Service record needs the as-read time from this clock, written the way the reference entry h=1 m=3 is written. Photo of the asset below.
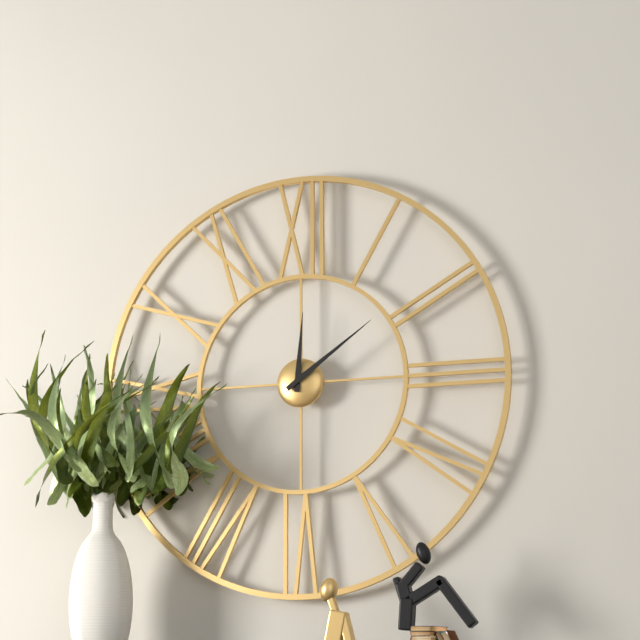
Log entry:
h=12 m=9
